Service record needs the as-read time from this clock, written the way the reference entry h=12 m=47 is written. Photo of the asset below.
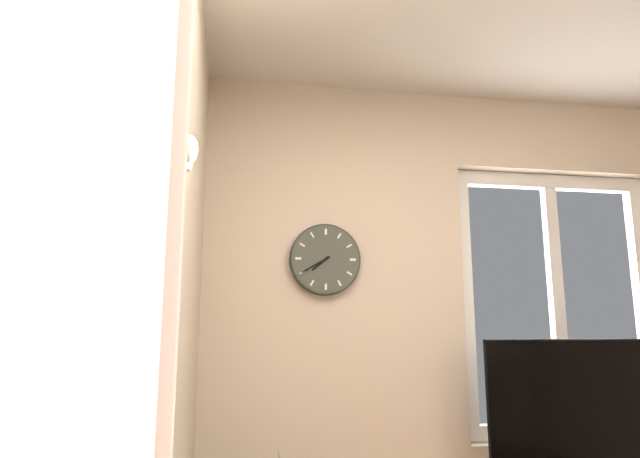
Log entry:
h=7 m=40
